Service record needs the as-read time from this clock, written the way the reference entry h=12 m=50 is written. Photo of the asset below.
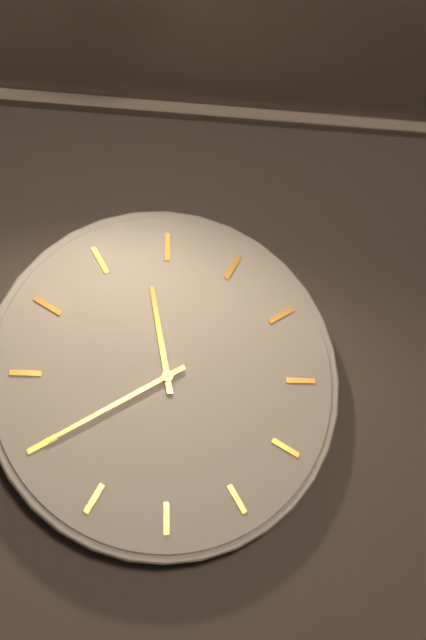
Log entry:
h=11 m=40
